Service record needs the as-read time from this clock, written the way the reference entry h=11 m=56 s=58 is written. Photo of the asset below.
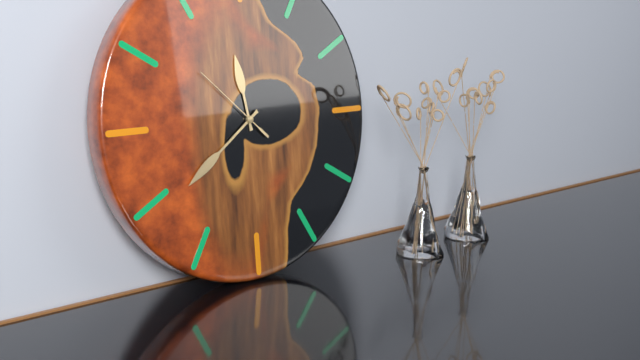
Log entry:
h=11 m=39 s=52
